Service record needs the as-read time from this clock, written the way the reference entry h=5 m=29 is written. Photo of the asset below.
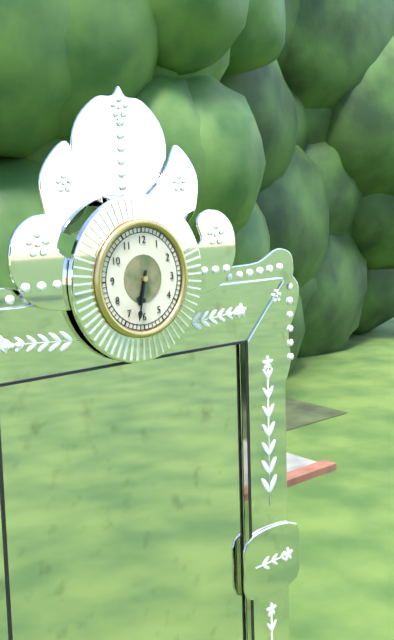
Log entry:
h=6 m=32
